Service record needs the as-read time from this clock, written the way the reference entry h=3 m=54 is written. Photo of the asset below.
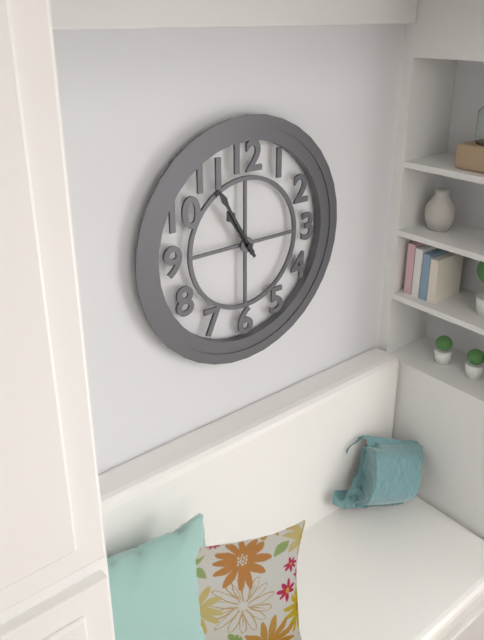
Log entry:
h=10 m=55
